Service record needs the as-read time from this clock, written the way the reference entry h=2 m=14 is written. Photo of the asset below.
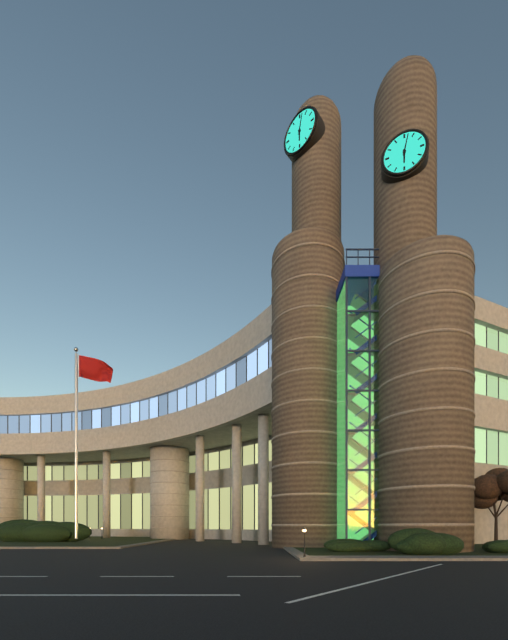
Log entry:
h=6 m=2
